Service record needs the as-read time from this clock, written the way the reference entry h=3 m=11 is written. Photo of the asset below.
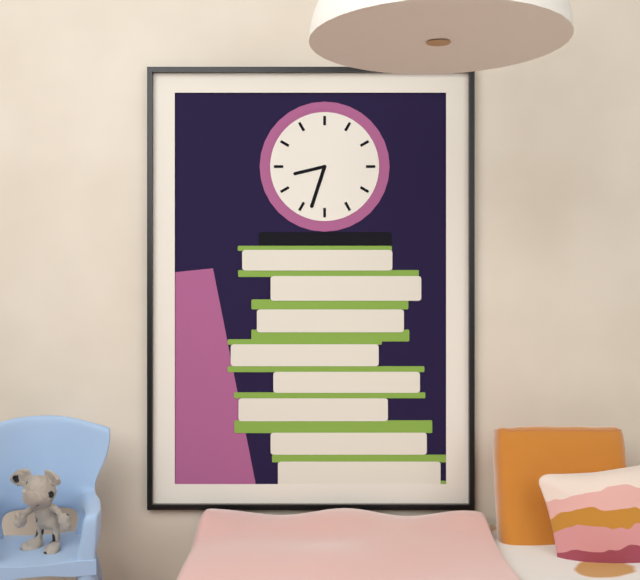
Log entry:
h=8 m=33
